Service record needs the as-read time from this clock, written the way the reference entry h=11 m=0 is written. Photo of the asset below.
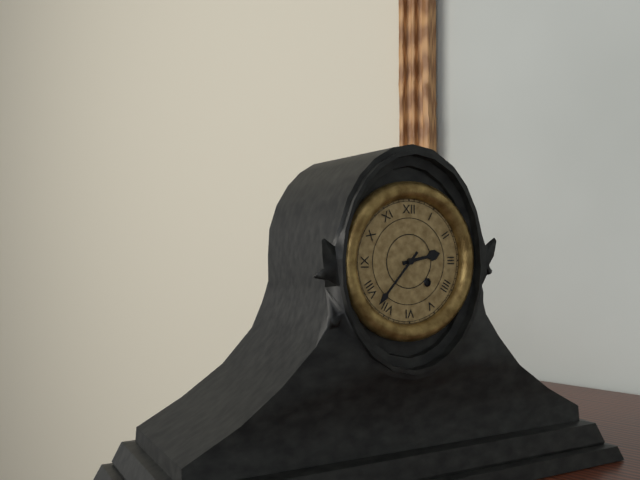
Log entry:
h=2 m=37
